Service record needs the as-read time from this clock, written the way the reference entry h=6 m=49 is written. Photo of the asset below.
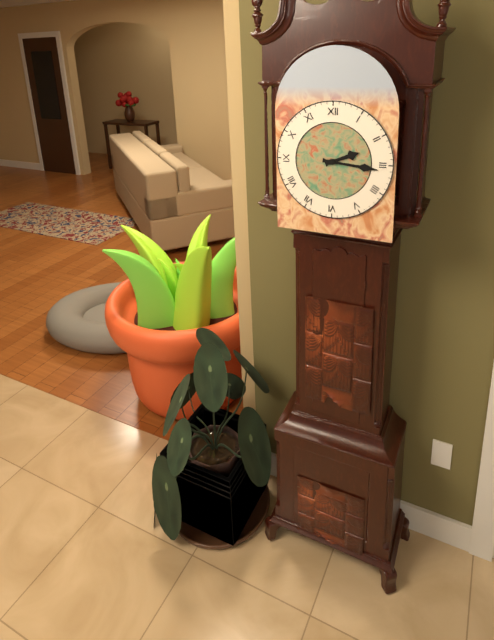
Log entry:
h=2 m=16
